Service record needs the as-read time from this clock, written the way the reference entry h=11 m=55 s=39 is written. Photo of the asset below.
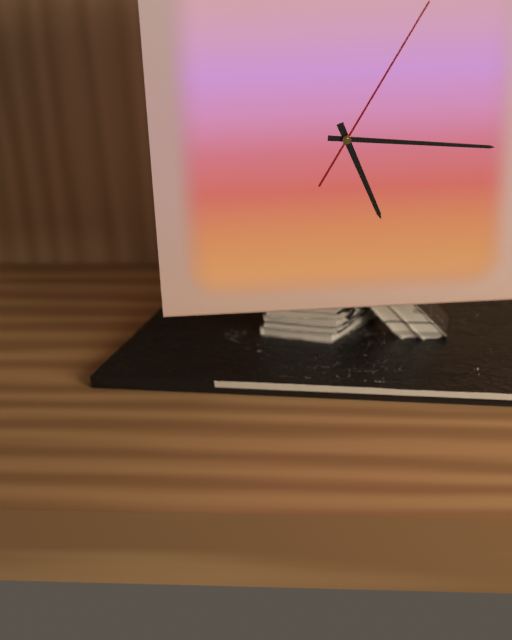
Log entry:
h=5 m=16 s=5
